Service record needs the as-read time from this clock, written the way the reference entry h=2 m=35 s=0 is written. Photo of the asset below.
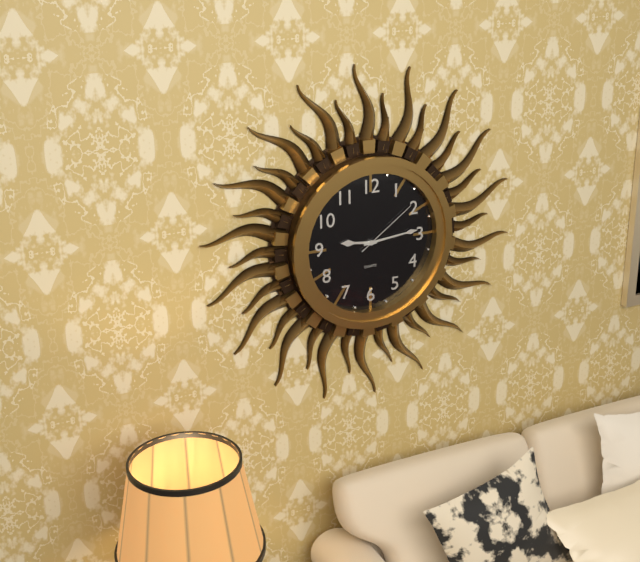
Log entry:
h=9 m=14 s=9
